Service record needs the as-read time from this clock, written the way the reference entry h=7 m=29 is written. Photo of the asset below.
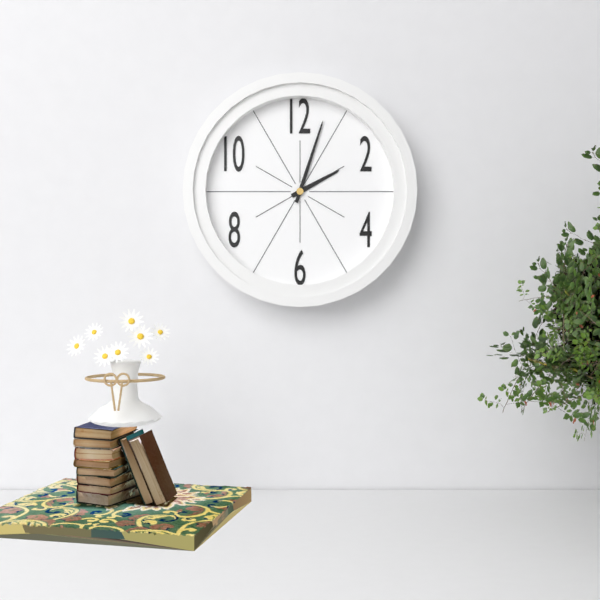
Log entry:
h=2 m=3
